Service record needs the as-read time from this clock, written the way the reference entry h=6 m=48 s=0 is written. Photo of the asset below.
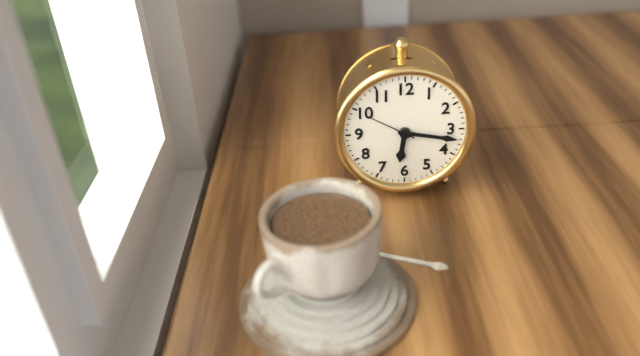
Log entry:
h=6 m=17 s=50
